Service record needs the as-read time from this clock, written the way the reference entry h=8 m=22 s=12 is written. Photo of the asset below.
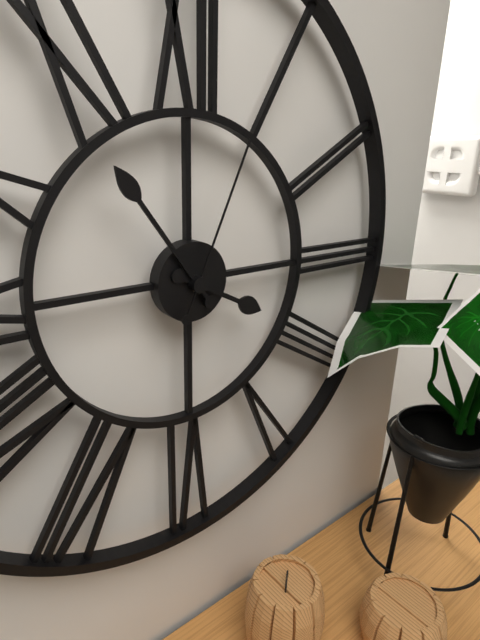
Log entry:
h=3 m=54 s=4
